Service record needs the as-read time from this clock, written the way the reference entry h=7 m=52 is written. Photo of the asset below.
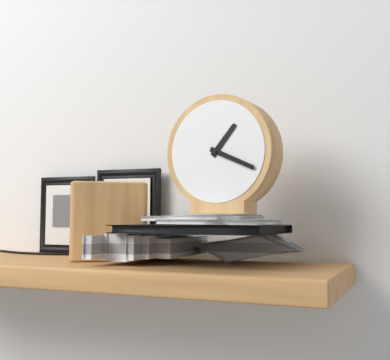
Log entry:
h=1 m=19
